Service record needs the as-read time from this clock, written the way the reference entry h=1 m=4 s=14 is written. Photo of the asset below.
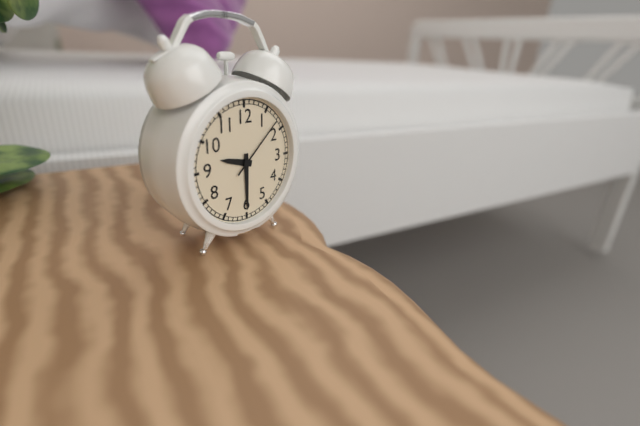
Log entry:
h=9 m=30 s=8
